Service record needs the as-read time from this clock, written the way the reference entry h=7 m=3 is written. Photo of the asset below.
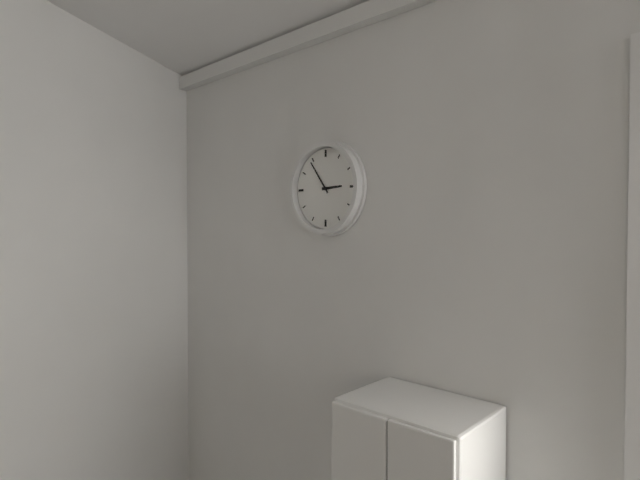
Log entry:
h=2 m=54
